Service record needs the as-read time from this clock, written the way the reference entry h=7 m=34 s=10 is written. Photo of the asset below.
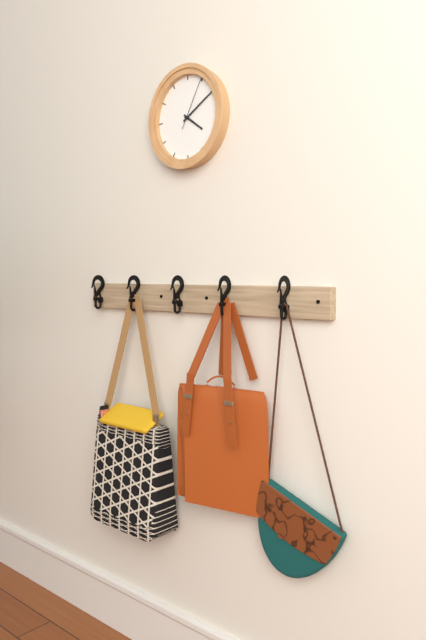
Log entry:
h=4 m=10 s=5
